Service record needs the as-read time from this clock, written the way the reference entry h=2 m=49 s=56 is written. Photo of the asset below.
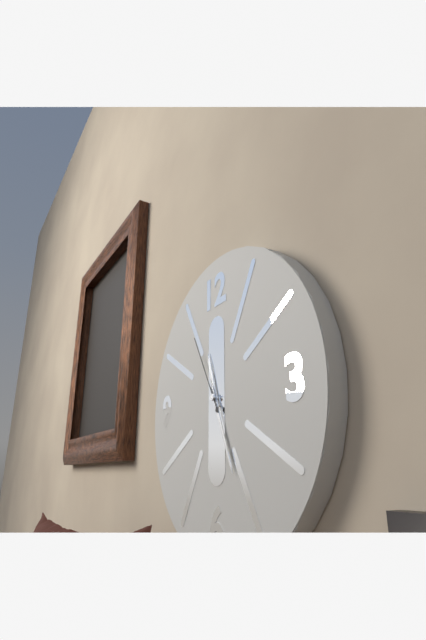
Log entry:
h=11 m=26 s=55
